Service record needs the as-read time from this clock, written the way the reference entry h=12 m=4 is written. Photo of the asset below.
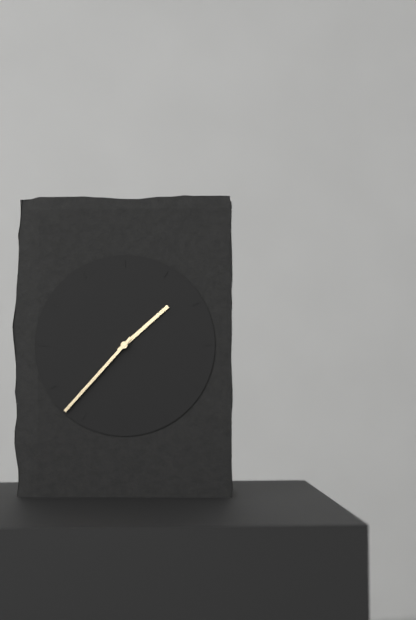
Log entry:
h=1 m=37
